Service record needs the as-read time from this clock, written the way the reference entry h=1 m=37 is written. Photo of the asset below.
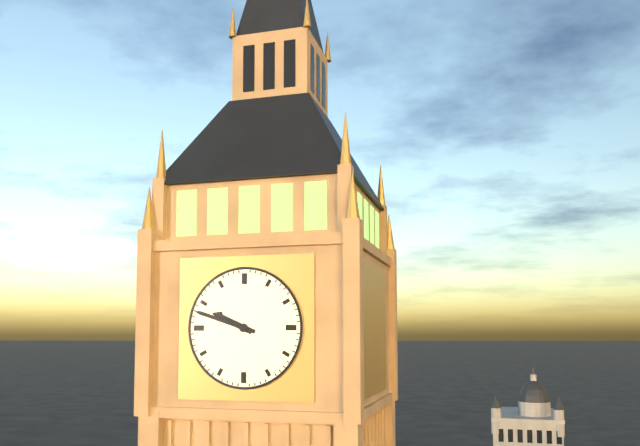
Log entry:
h=9 m=48
